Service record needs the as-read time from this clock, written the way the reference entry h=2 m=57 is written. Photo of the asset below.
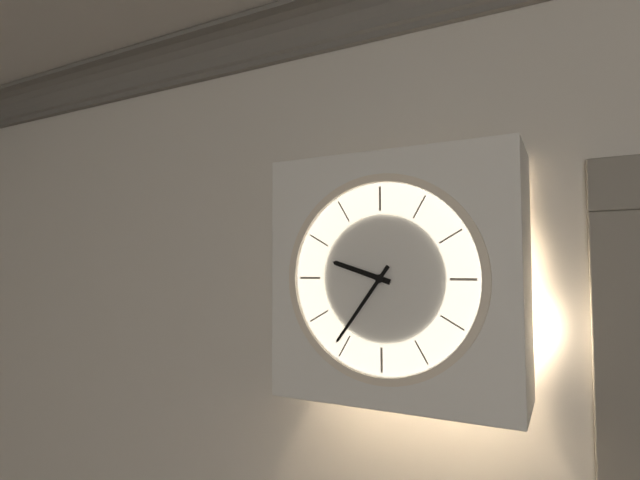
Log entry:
h=9 m=36
